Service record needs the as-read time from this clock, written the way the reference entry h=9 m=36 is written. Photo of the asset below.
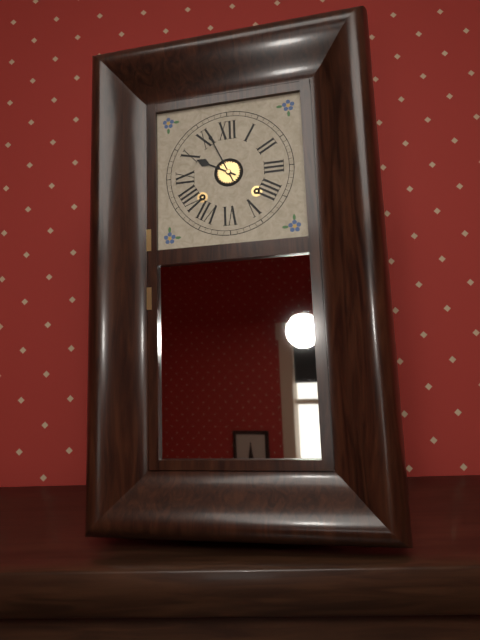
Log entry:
h=9 m=56
